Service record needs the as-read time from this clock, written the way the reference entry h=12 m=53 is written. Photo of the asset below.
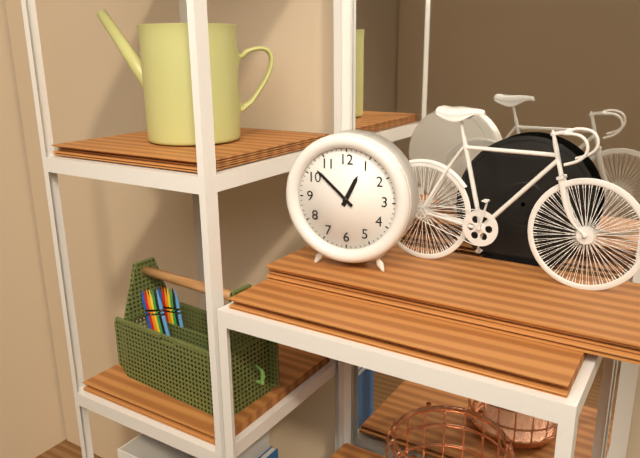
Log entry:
h=12 m=52
